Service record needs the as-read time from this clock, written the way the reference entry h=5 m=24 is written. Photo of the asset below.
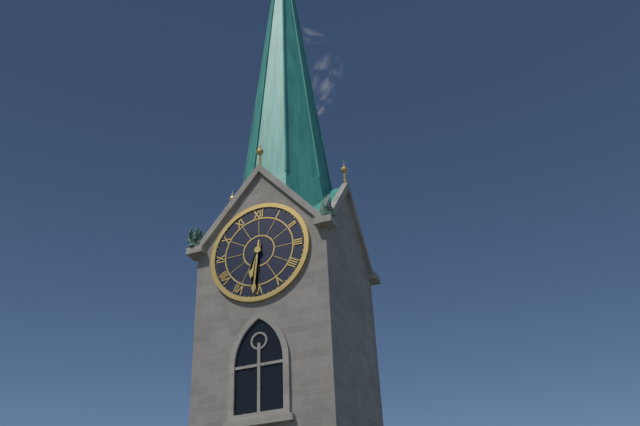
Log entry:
h=6 m=31
